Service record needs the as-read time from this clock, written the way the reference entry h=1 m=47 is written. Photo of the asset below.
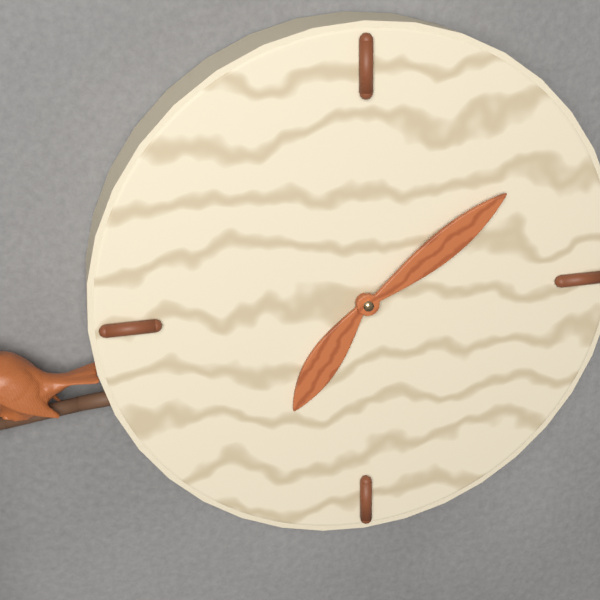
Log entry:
h=7 m=9
